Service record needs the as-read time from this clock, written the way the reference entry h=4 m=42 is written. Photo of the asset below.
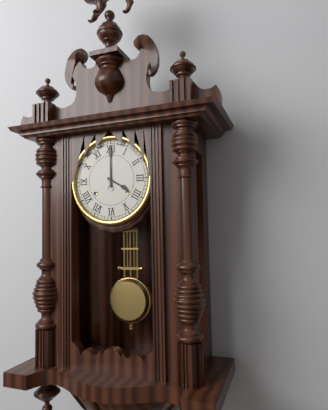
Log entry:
h=4 m=0
